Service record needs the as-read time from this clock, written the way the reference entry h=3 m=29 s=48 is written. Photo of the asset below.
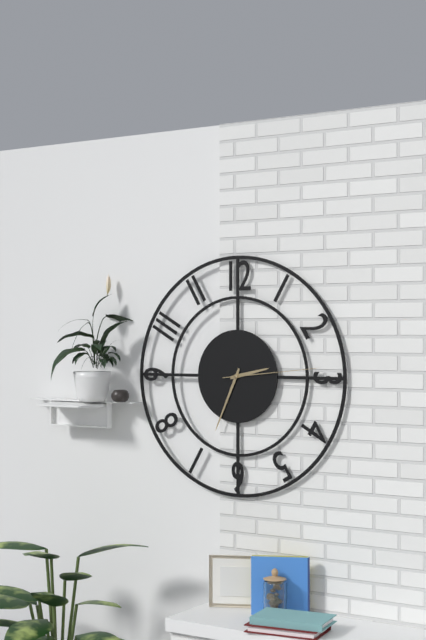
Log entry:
h=2 m=34 s=14
